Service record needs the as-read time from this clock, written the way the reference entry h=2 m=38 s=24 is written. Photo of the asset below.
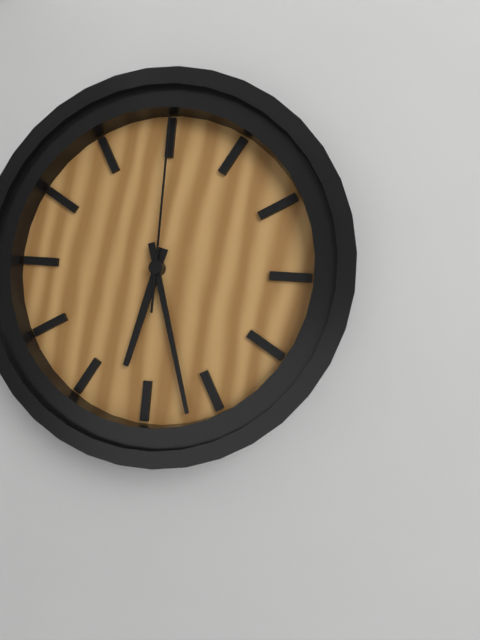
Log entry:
h=6 m=27 s=0
